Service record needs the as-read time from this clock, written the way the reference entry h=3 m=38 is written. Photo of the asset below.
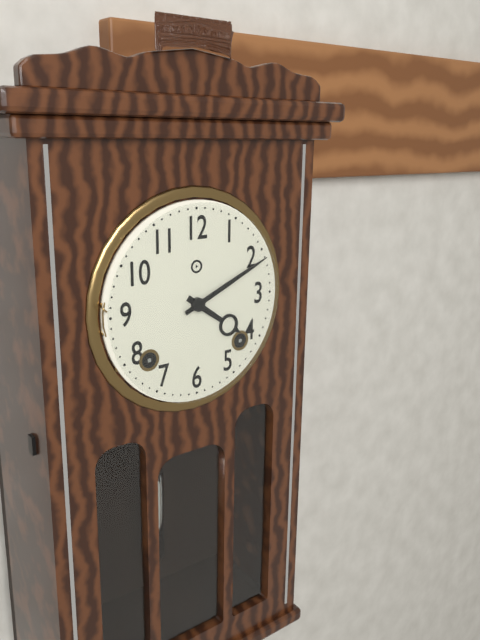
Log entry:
h=4 m=11
